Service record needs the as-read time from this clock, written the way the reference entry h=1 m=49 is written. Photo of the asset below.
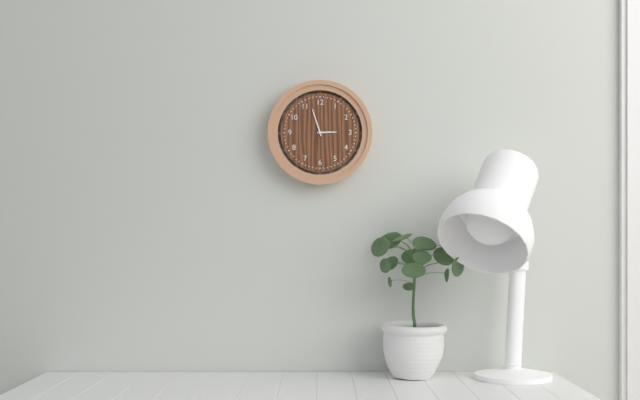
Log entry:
h=2 m=57
